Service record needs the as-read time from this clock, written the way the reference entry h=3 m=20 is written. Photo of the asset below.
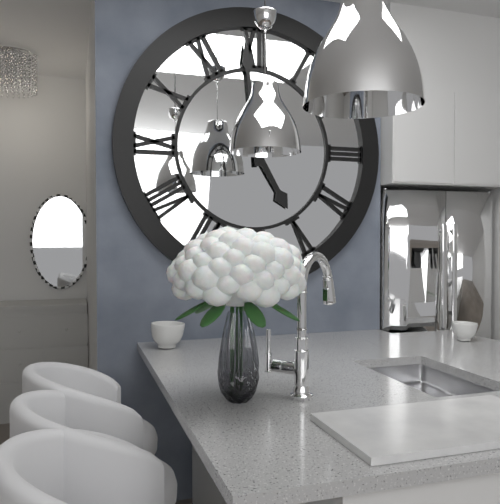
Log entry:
h=4 m=59
